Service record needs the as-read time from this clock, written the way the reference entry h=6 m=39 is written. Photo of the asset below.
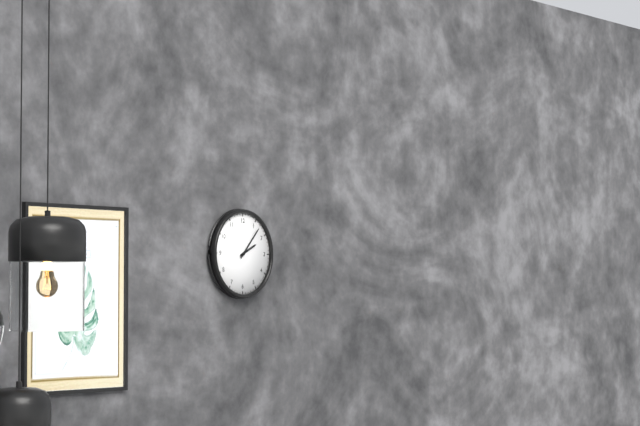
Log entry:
h=2 m=7
